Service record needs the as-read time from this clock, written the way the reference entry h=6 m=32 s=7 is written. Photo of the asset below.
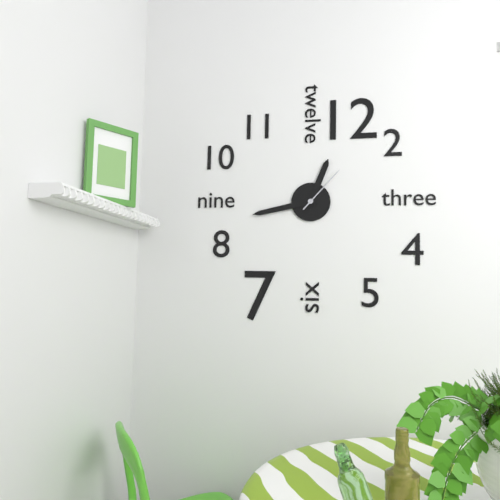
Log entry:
h=12 m=43 s=7
